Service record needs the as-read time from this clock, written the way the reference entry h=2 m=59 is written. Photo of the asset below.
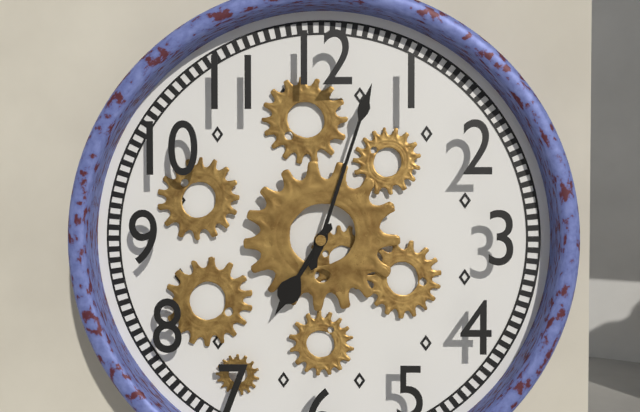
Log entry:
h=7 m=3
